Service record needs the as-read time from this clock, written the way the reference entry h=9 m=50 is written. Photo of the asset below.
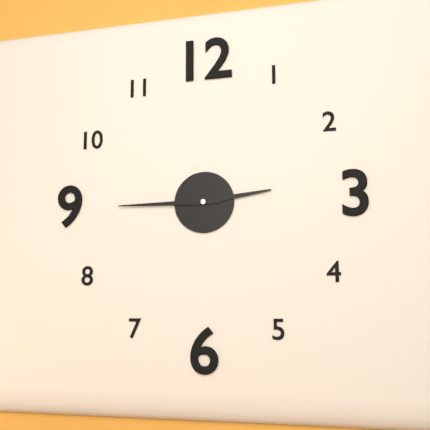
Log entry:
h=2 m=45
